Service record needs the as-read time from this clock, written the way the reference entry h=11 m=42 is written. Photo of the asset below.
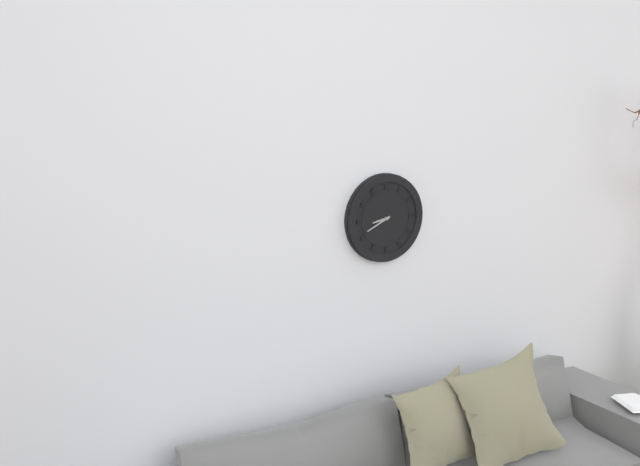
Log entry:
h=8 m=41
